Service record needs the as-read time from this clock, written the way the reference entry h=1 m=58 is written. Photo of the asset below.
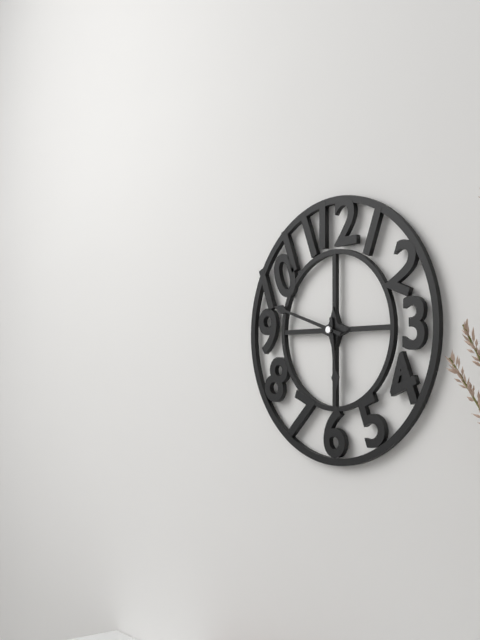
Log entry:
h=5 m=48
